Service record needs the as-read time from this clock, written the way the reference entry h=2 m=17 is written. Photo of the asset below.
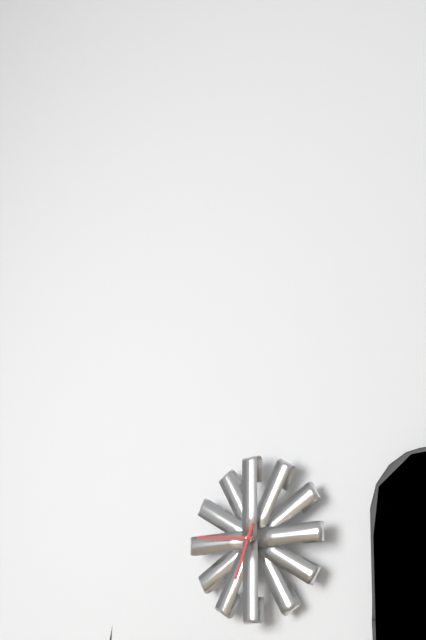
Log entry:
h=6 m=46
